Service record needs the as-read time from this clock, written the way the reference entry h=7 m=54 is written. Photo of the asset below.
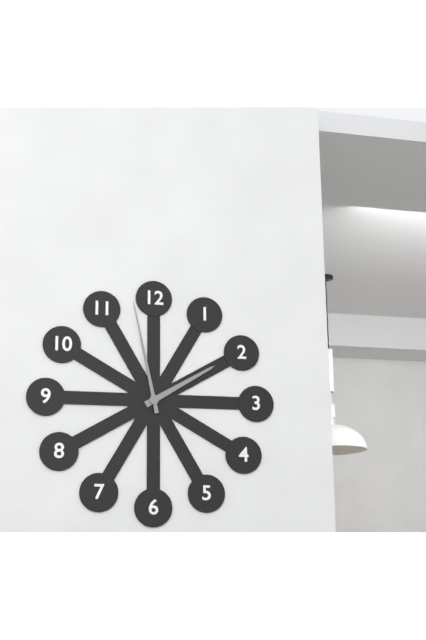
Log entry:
h=1 m=58
